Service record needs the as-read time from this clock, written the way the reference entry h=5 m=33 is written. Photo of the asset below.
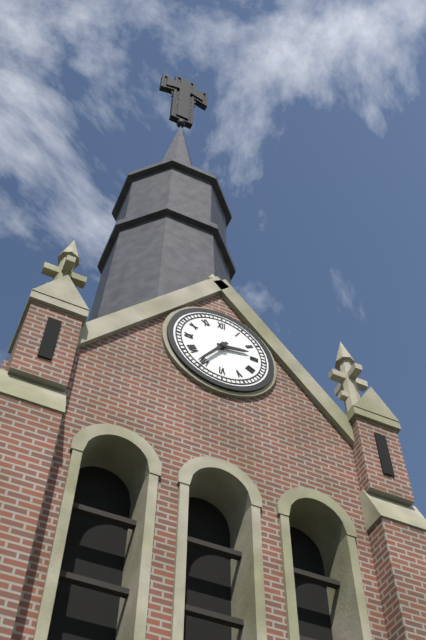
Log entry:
h=2 m=36
